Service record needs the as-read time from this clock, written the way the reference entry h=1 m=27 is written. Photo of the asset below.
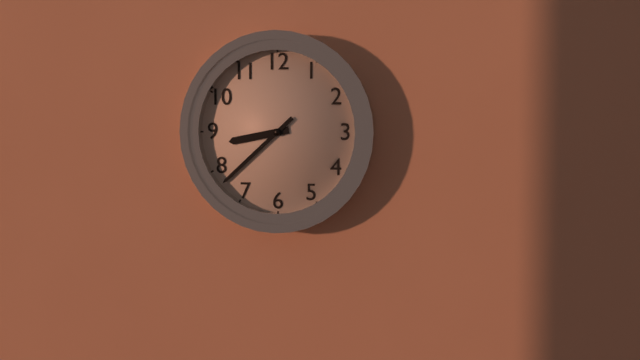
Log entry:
h=8 m=38
